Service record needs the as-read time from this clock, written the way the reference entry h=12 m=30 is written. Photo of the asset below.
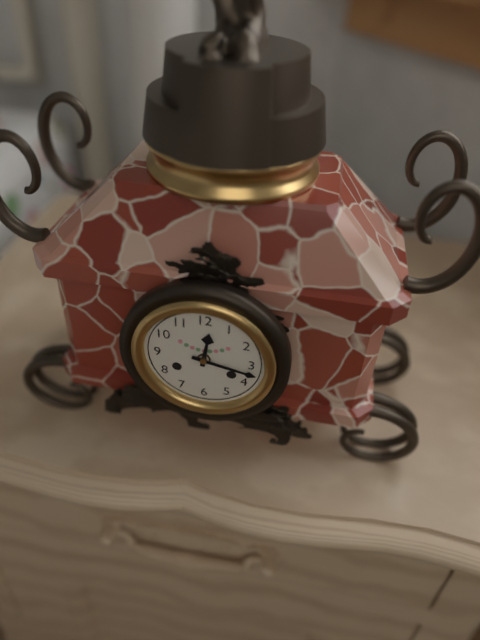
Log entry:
h=12 m=17
